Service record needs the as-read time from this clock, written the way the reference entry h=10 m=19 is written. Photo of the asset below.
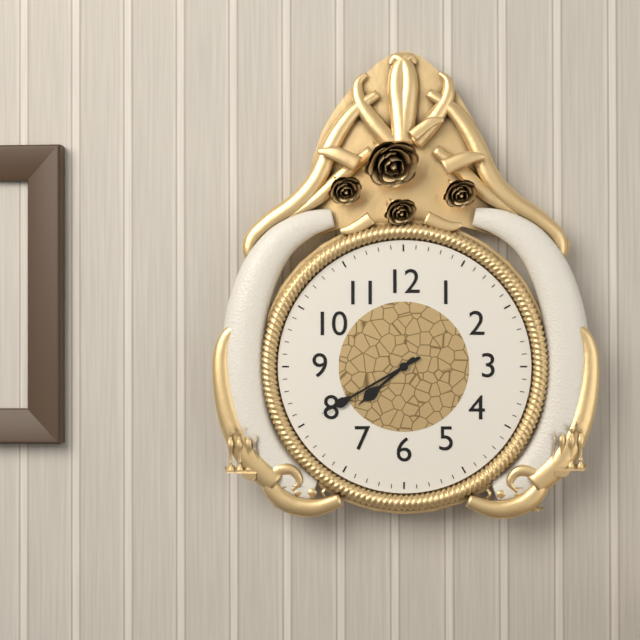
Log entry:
h=7 m=40
